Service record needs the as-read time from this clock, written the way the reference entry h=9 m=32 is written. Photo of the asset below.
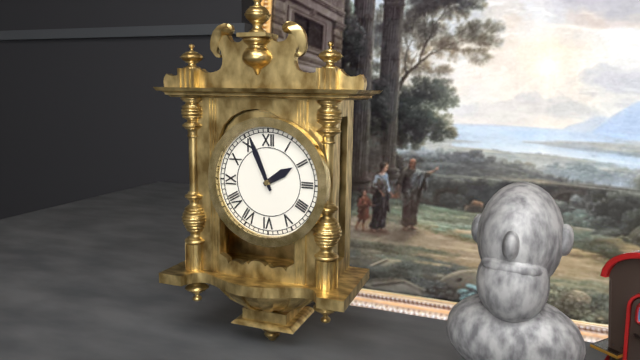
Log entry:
h=1 m=56
